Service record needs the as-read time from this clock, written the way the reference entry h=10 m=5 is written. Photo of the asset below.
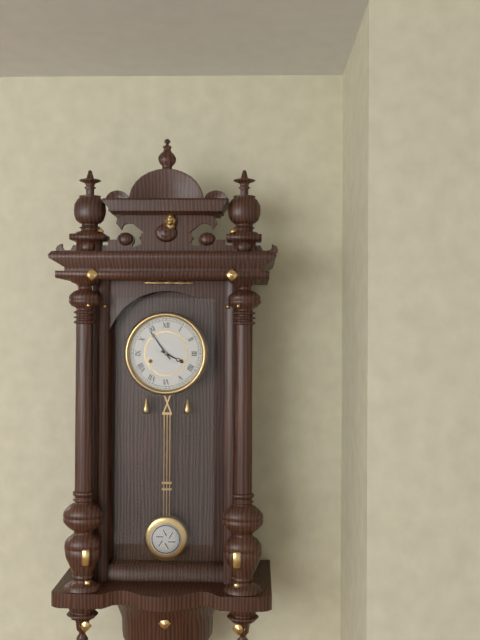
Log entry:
h=3 m=54
